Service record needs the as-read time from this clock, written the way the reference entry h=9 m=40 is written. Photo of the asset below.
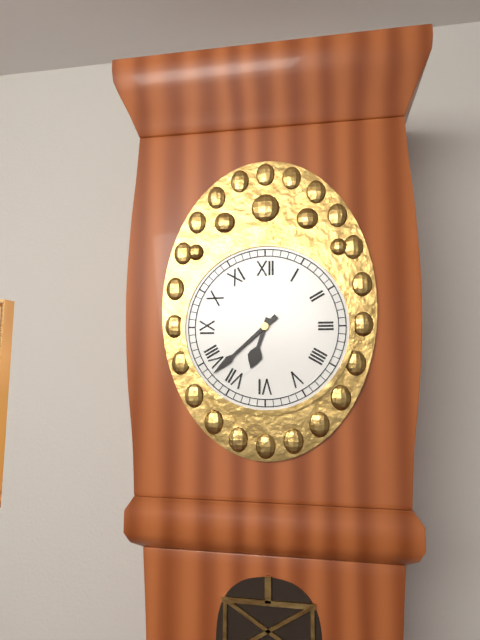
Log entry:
h=6 m=38
